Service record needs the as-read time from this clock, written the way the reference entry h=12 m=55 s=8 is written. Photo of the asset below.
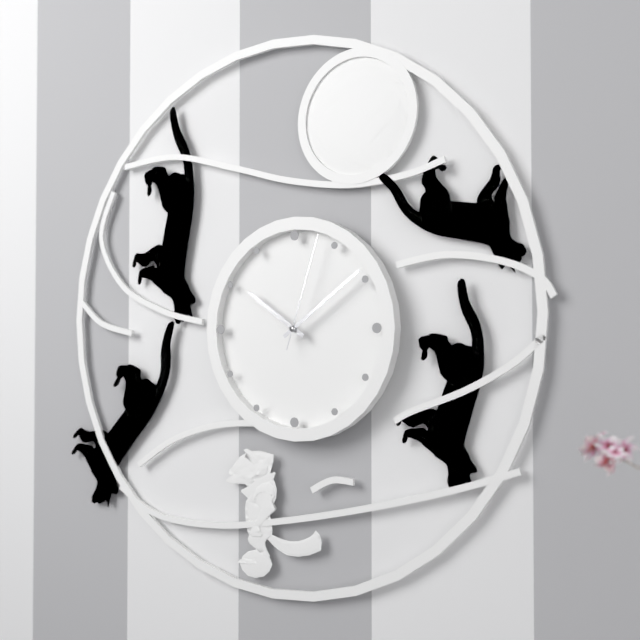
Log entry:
h=10 m=9 s=3
